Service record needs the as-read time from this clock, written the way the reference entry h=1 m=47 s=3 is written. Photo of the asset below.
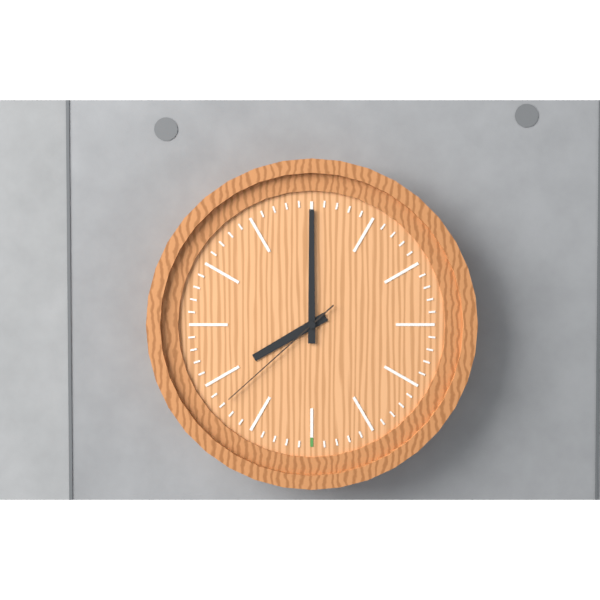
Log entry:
h=8 m=0 s=38
